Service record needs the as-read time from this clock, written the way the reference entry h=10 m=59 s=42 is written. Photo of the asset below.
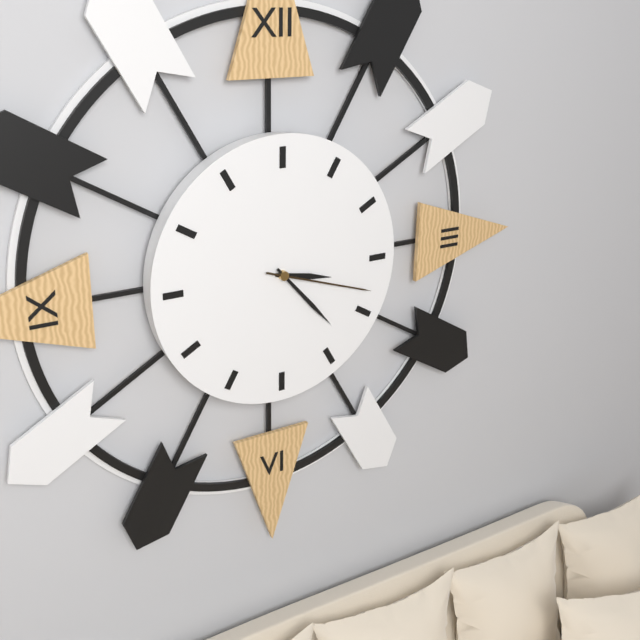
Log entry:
h=3 m=23 s=18
